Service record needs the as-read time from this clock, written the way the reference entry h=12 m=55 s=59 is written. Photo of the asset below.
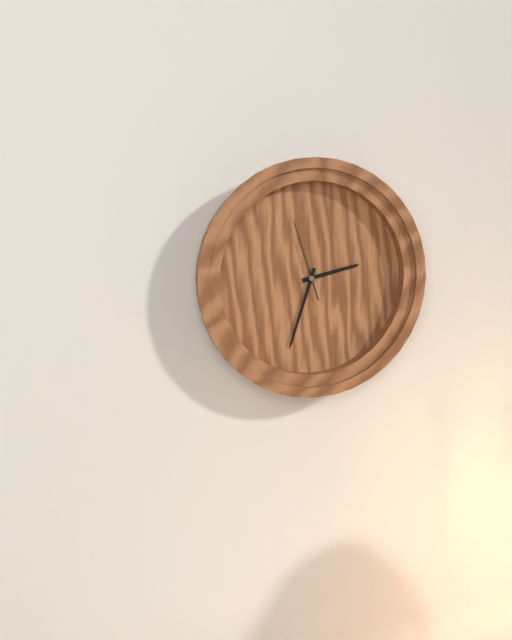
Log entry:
h=2 m=33 s=57
